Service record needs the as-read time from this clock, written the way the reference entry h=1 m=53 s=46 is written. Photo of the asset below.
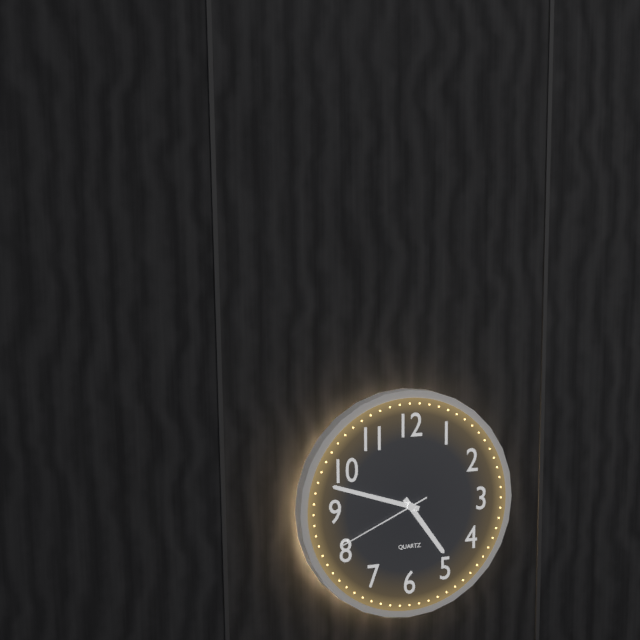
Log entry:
h=4 m=48 s=41
